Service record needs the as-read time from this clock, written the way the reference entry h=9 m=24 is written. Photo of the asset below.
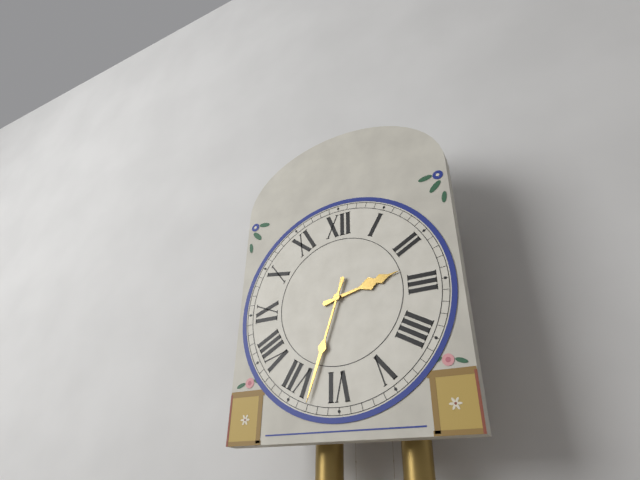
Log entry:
h=2 m=33
